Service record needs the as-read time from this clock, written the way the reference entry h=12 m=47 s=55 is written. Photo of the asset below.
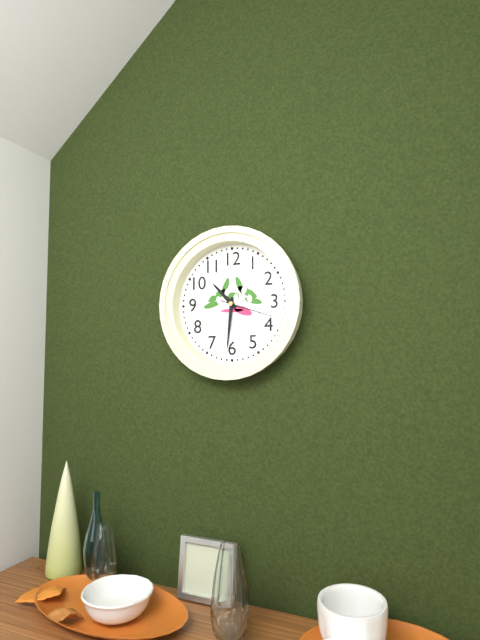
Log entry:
h=10 m=31 s=18
